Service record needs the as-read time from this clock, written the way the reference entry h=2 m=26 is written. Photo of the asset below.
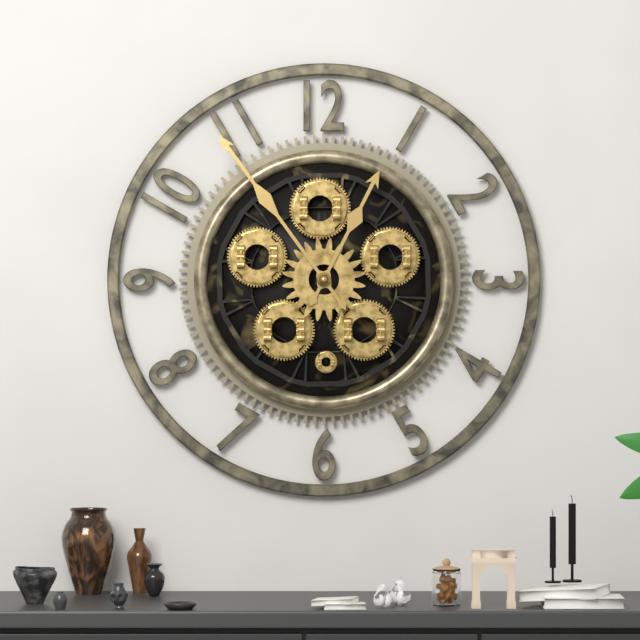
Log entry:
h=12 m=54
